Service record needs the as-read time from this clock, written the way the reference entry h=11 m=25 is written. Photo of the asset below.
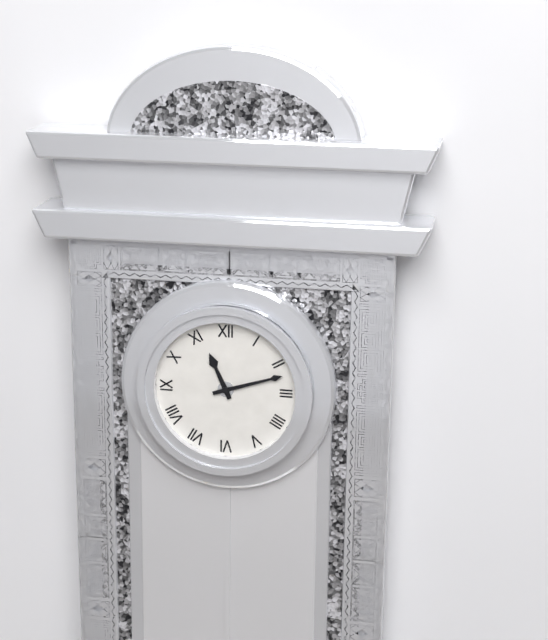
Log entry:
h=11 m=12
